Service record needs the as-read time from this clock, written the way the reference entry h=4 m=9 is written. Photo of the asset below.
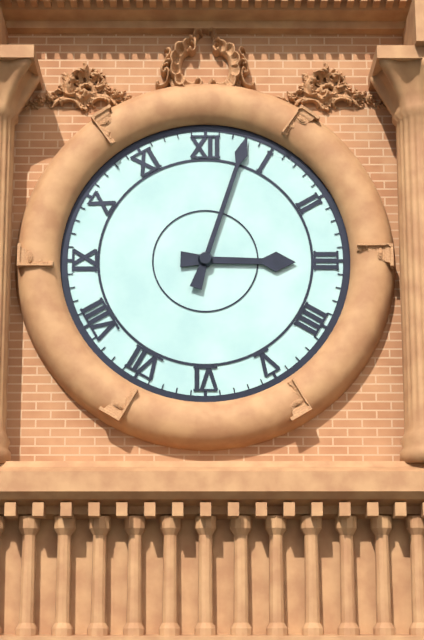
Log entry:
h=3 m=3
